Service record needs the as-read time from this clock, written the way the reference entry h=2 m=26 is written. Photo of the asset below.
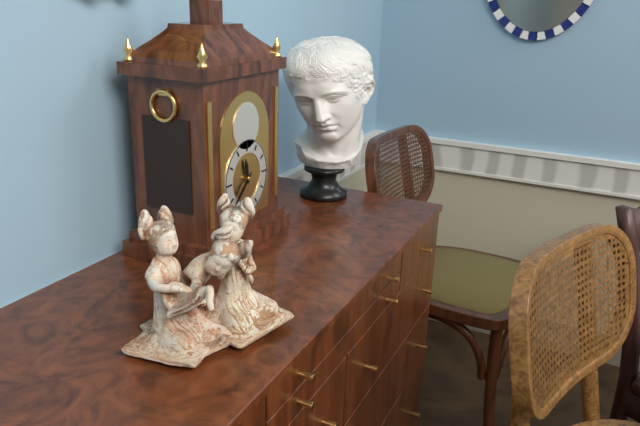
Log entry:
h=11 m=38
